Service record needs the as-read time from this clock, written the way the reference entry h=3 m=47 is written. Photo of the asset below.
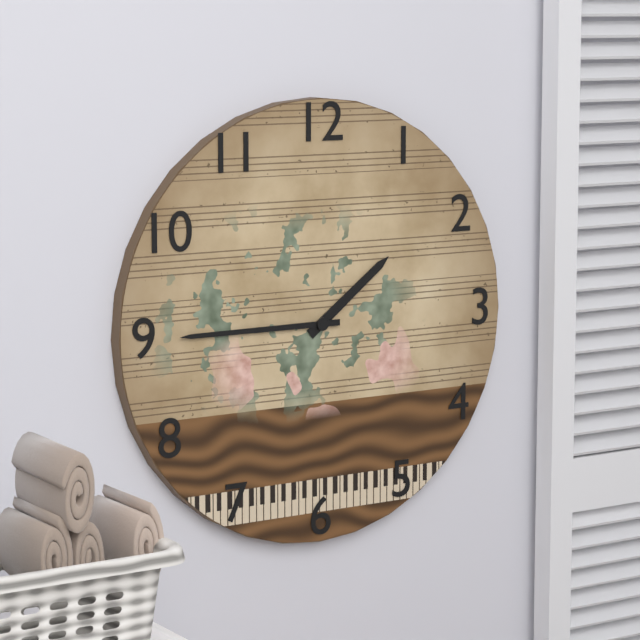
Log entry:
h=1 m=45
